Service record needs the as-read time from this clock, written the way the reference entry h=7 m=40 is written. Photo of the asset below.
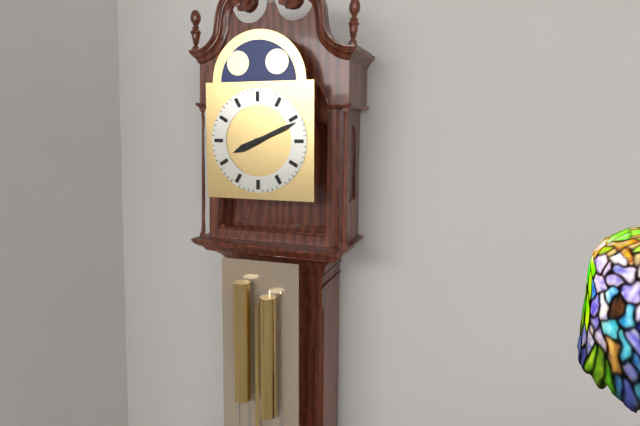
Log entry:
h=8 m=11
